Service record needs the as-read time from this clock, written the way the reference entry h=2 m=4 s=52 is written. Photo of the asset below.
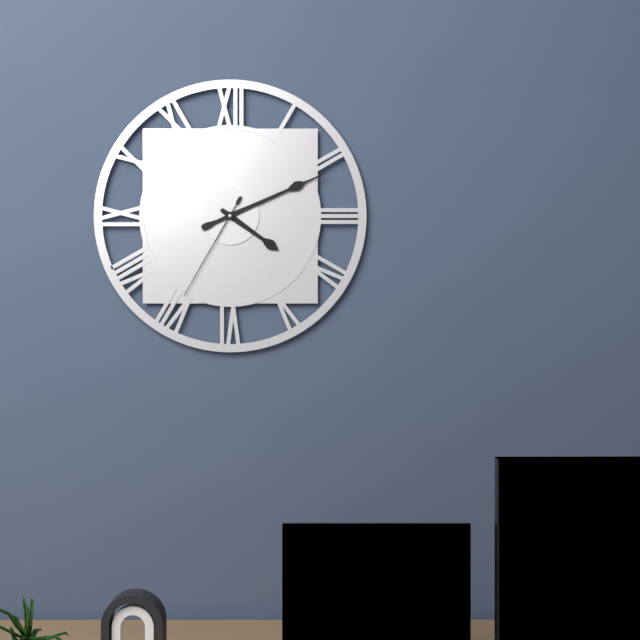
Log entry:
h=4 m=11 s=35
